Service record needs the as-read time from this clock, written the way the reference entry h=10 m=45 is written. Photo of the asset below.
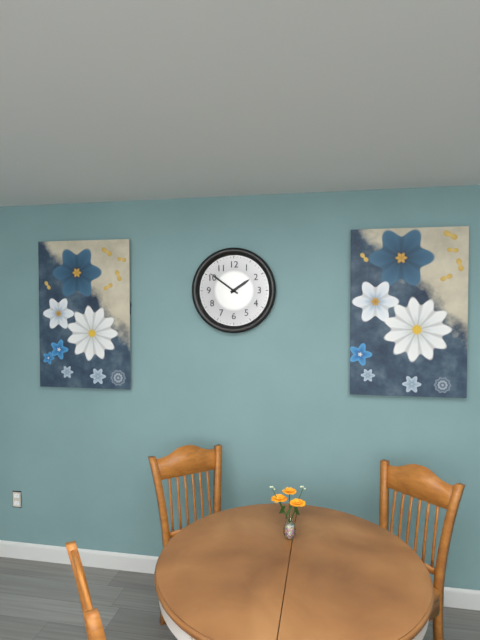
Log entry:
h=1 m=51
